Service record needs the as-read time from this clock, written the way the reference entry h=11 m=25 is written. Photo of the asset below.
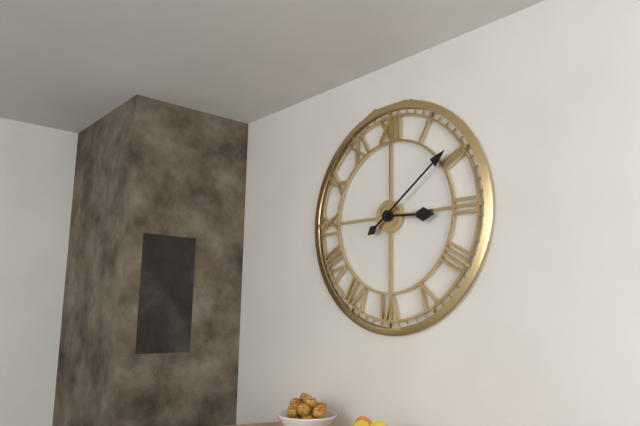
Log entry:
h=3 m=9
